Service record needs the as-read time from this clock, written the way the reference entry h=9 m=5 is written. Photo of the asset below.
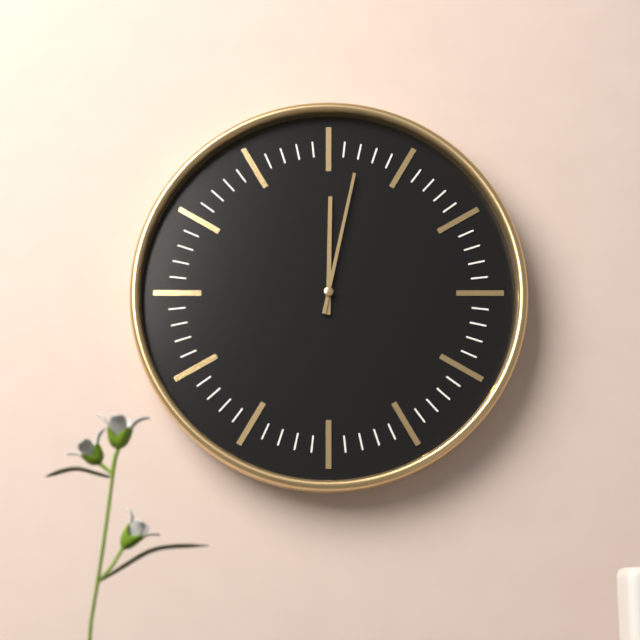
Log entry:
h=12 m=2
